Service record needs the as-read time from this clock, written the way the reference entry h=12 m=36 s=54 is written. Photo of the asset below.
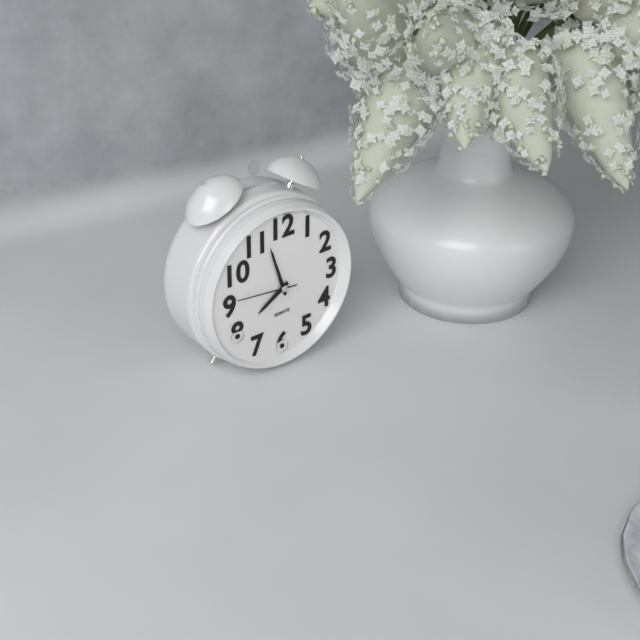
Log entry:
h=7 m=57 s=46
